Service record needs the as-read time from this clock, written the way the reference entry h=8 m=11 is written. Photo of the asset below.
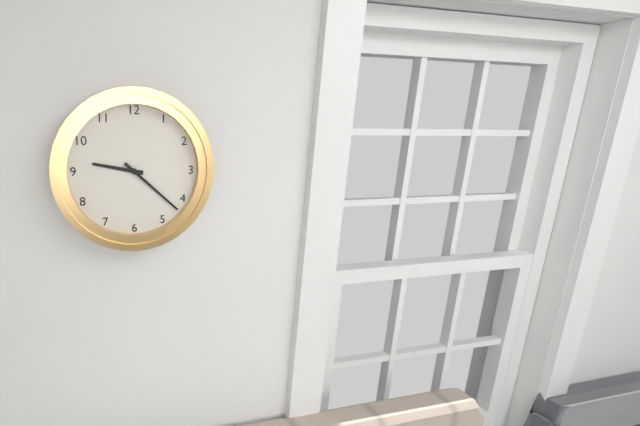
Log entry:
h=9 m=22
